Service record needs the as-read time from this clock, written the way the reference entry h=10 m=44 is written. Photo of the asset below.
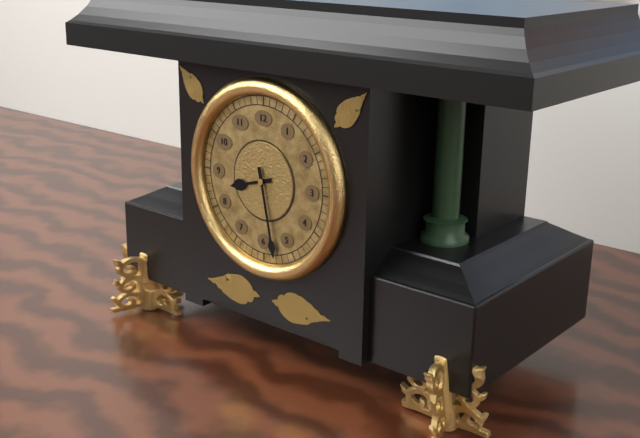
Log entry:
h=8 m=28
